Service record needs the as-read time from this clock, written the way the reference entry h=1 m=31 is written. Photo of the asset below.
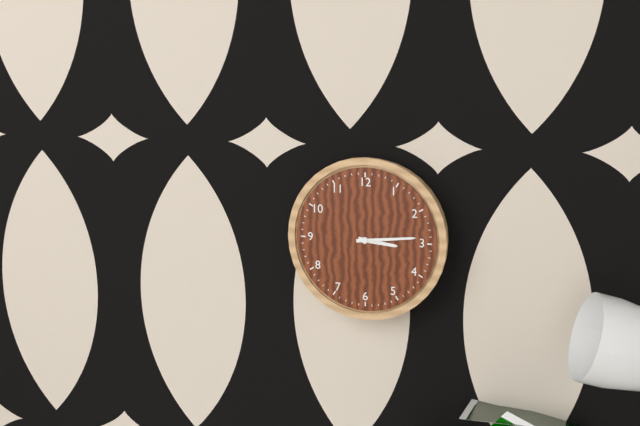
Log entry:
h=3 m=14
